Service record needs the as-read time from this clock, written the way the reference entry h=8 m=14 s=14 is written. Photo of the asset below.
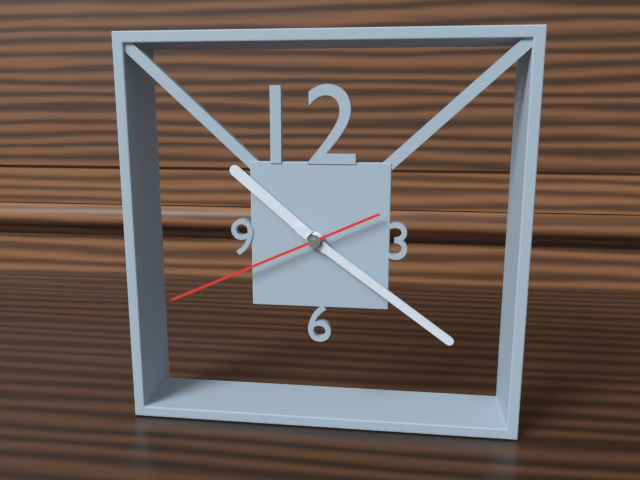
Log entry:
h=10 m=21 s=41
